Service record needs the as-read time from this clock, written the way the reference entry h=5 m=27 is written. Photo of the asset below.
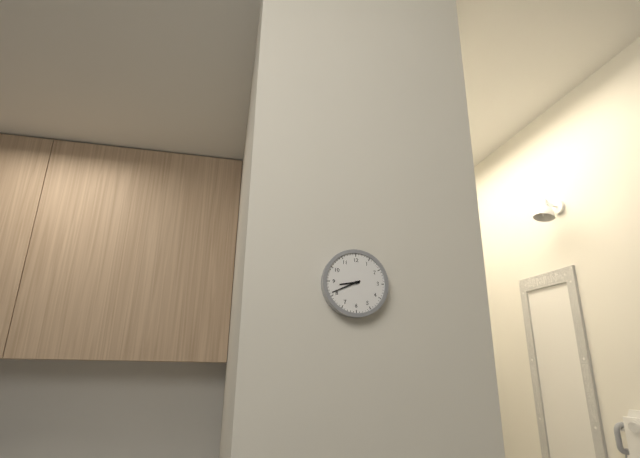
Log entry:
h=8 m=41
